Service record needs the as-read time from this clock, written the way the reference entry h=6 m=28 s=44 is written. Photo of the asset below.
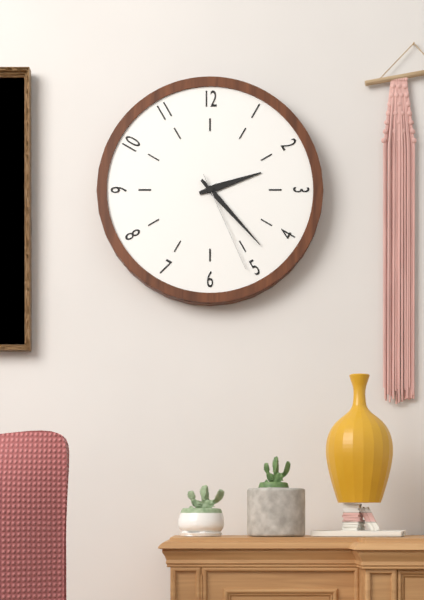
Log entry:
h=2 m=23 s=26
